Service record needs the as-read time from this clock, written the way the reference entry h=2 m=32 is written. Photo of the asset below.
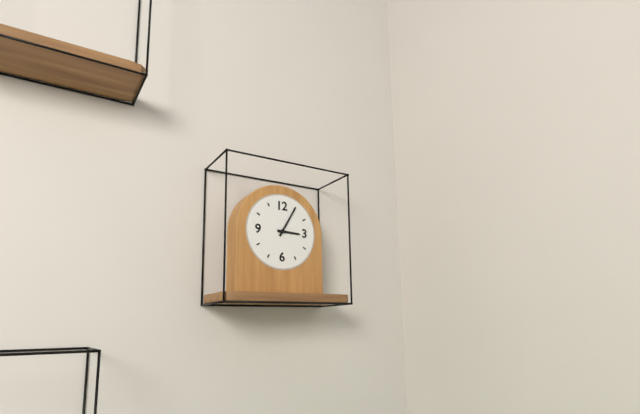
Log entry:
h=3 m=5
